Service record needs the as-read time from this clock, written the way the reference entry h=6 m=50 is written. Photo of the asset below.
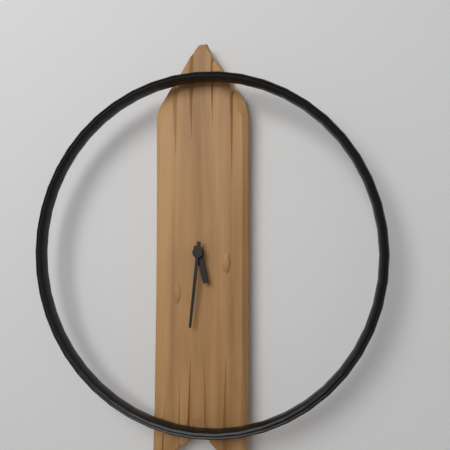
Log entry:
h=5 m=31
